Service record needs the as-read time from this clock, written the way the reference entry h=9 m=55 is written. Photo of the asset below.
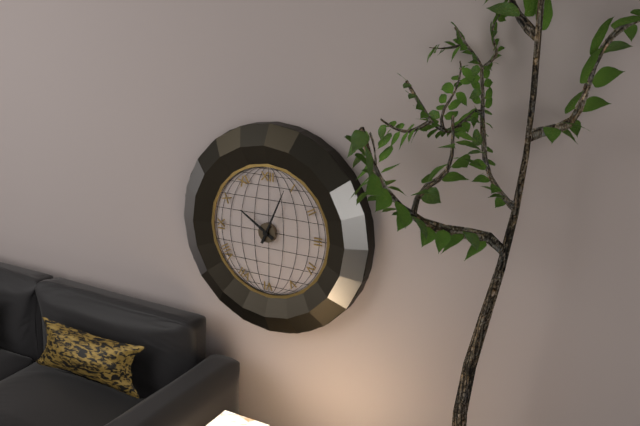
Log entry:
h=10 m=4
